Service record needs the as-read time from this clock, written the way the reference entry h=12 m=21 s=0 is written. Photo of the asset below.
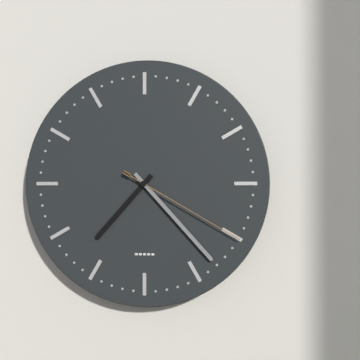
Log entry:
h=7 m=23 s=20
